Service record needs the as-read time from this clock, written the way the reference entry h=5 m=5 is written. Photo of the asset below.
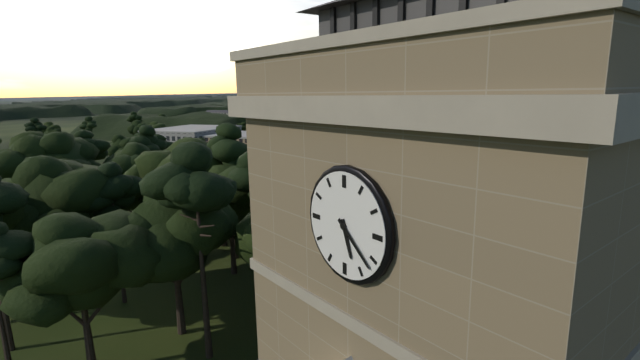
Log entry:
h=5 m=22
